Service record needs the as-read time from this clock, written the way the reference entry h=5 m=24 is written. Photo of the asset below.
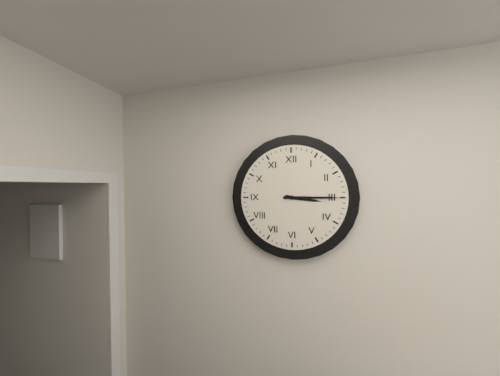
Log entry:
h=3 m=15
